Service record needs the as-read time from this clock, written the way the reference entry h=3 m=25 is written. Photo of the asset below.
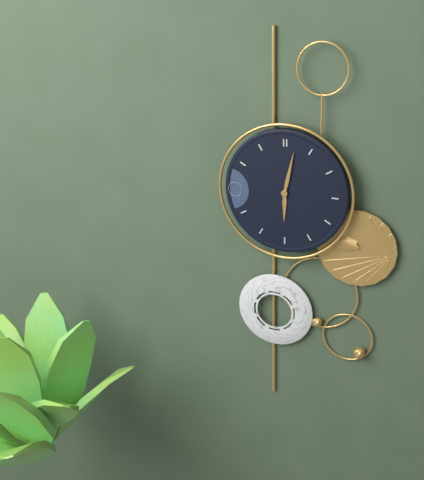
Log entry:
h=6 m=2
